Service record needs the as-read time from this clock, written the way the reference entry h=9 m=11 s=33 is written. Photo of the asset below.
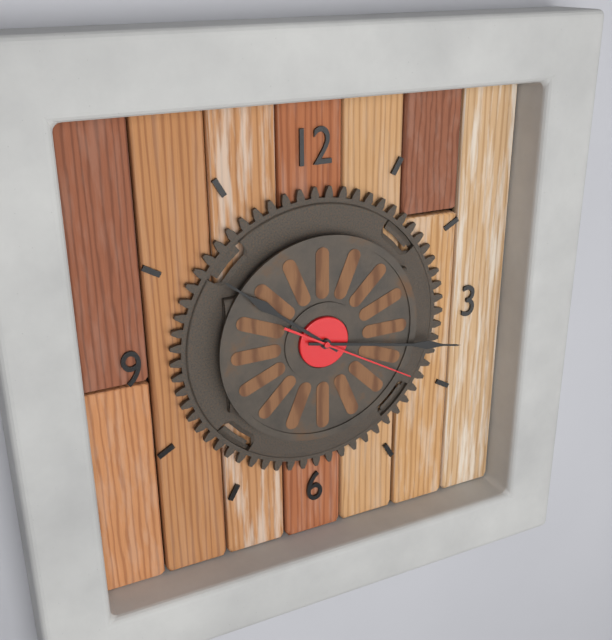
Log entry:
h=10 m=17 s=20
